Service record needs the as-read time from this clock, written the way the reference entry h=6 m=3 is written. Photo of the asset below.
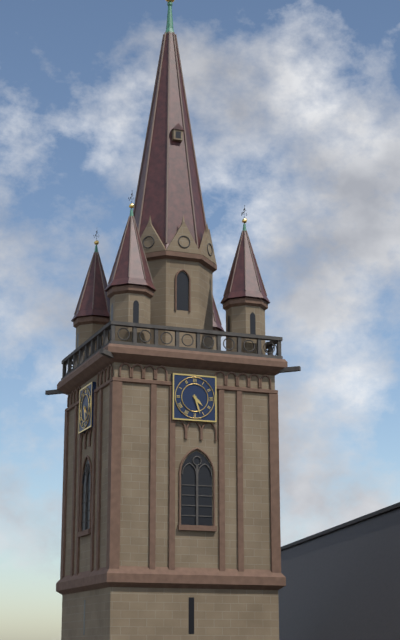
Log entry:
h=4 m=27
